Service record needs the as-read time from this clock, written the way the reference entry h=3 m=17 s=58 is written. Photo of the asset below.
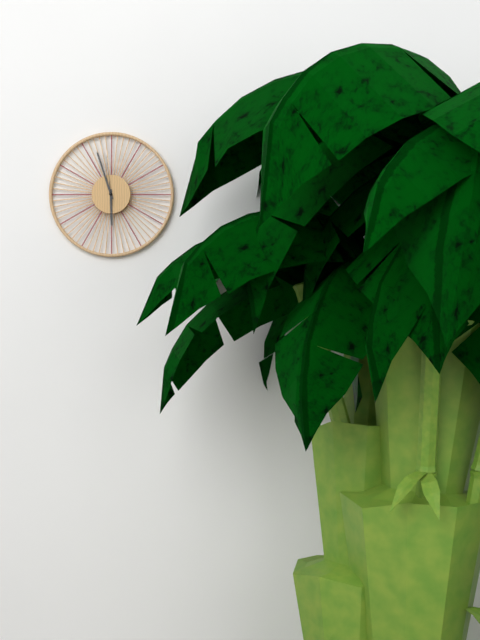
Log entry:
h=5 m=57 s=59
